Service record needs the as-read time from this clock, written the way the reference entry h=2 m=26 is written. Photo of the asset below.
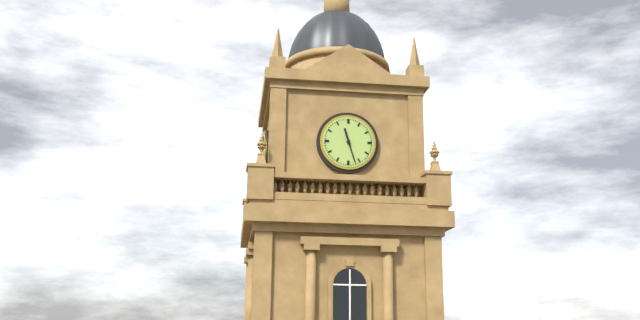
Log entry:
h=11 m=27
